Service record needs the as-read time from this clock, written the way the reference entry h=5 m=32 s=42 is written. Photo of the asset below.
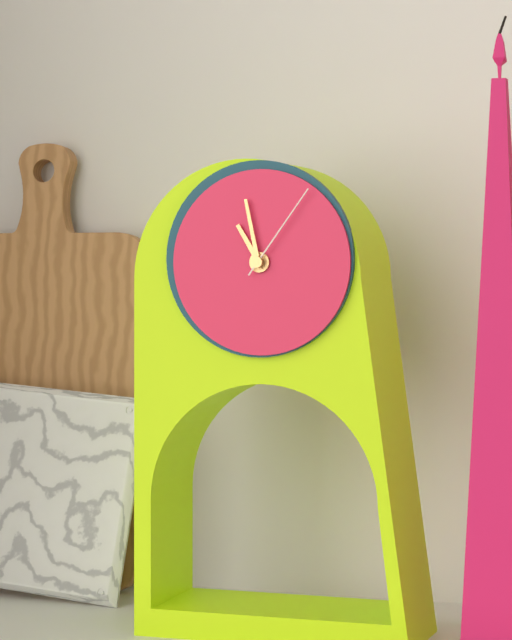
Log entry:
h=10 m=58 s=6
